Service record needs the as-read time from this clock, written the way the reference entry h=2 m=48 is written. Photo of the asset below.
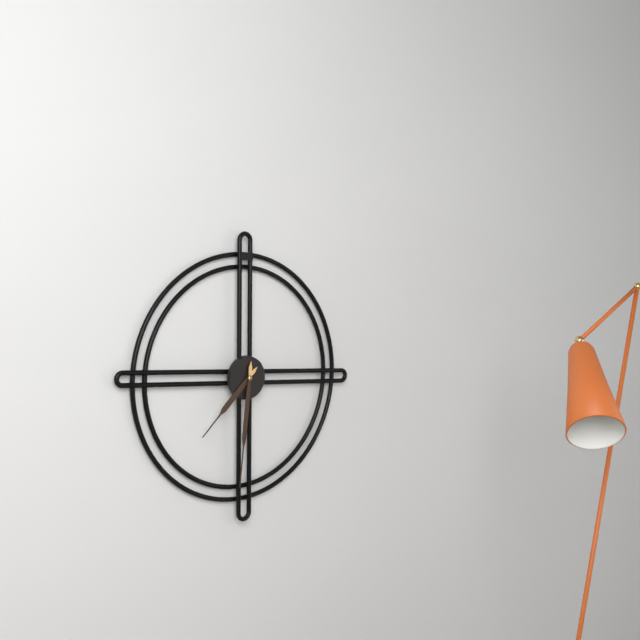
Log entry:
h=7 m=31
